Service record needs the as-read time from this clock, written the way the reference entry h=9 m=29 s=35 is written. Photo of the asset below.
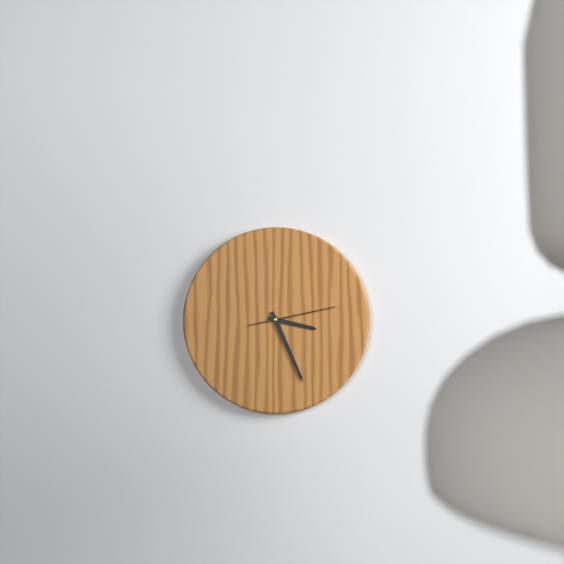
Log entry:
h=3 m=26 s=13
